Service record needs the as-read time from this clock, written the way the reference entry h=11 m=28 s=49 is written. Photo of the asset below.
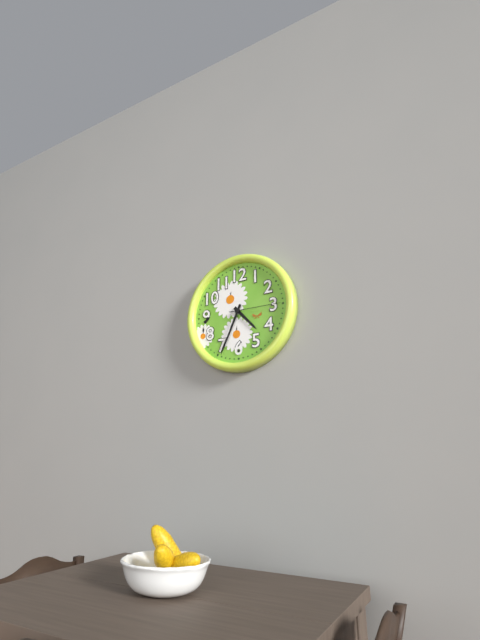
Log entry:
h=4 m=34 s=15
